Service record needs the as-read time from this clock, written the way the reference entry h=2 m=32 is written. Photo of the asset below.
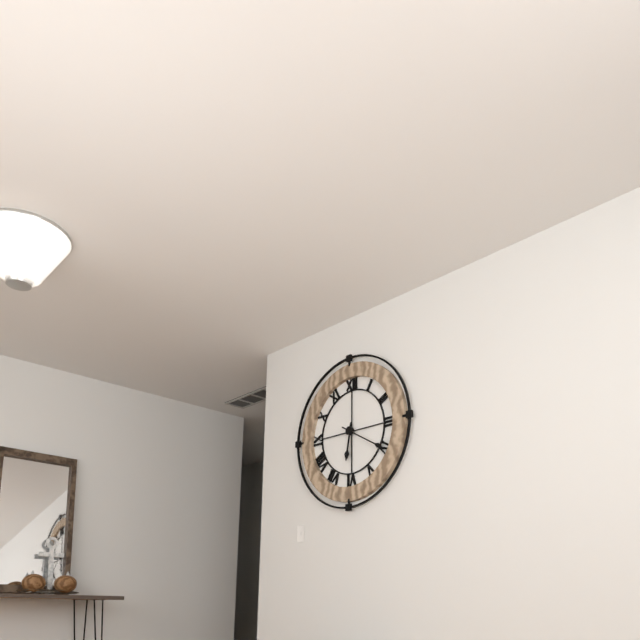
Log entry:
h=6 m=20
